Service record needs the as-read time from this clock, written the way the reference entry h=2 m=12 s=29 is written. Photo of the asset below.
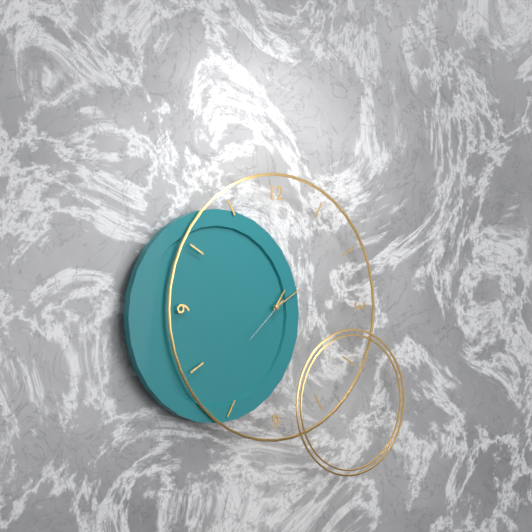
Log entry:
h=1 m=10 s=38
